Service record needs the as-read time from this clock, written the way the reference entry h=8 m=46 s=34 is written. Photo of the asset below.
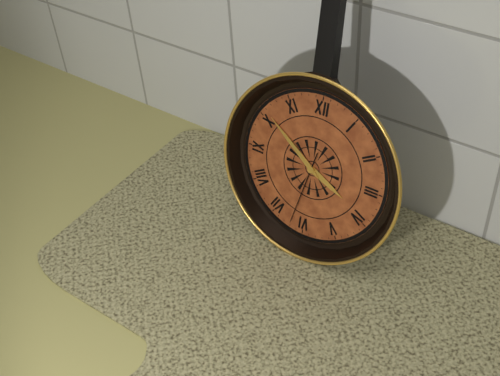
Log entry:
h=3 m=51 s=32
